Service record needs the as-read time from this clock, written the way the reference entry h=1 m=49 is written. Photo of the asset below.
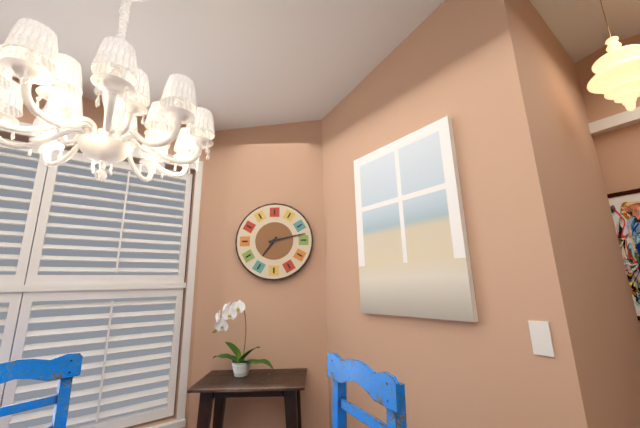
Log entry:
h=7 m=13
